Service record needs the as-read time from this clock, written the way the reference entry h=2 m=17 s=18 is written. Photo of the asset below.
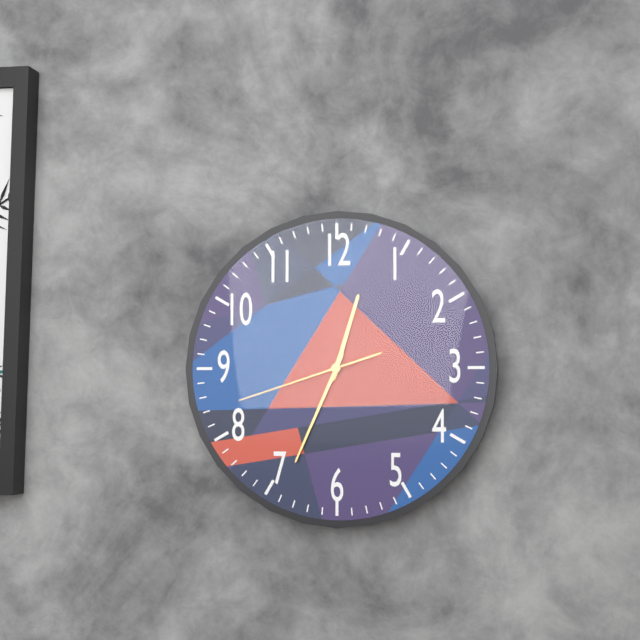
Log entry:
h=12 m=34 s=42
